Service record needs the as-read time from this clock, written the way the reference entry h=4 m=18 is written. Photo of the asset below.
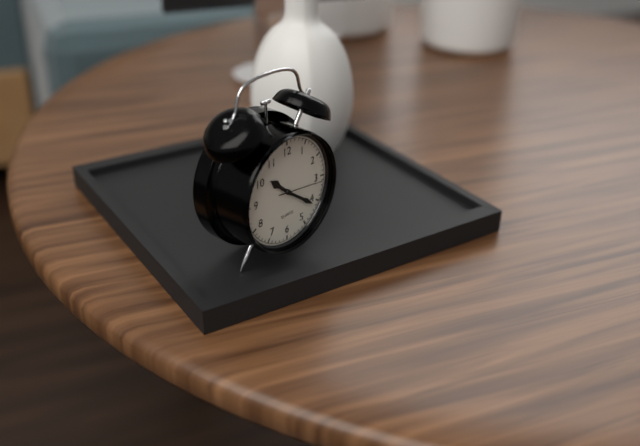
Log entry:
h=10 m=21
